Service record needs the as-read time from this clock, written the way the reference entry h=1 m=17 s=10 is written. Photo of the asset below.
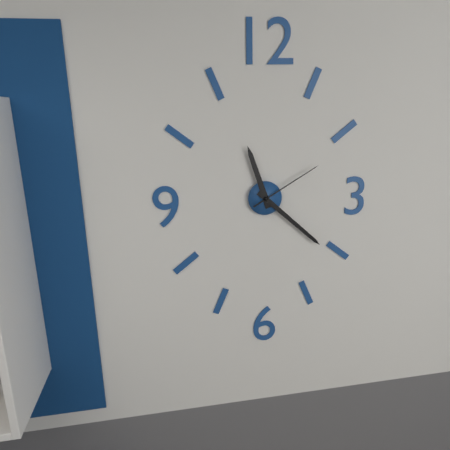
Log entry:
h=11 m=22 s=10
